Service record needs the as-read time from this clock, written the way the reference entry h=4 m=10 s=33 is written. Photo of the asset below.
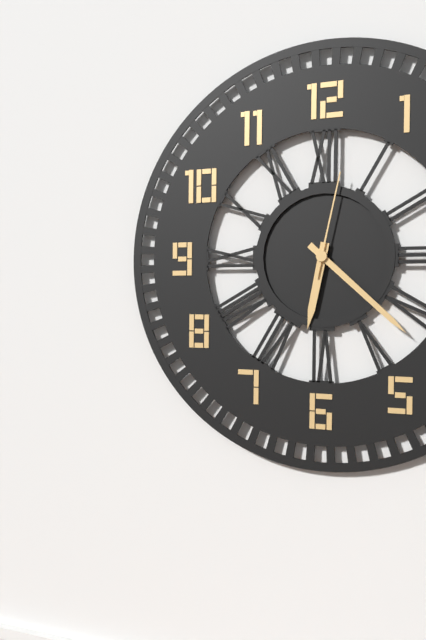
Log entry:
h=6 m=22 s=2
